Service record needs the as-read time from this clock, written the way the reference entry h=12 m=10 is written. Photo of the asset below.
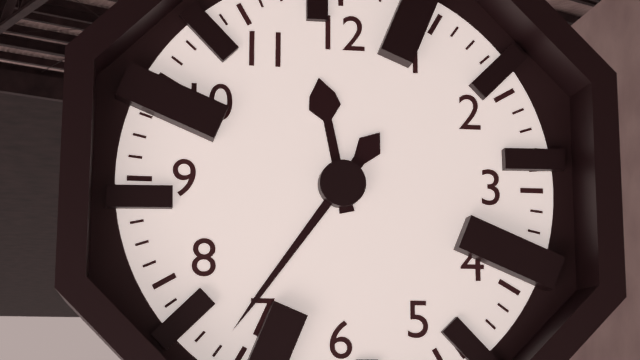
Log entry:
h=11 m=36
